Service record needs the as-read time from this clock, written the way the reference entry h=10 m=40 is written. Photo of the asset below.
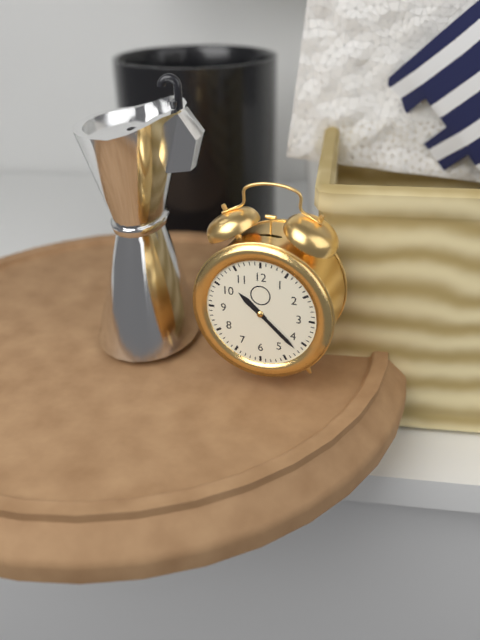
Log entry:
h=10 m=22
